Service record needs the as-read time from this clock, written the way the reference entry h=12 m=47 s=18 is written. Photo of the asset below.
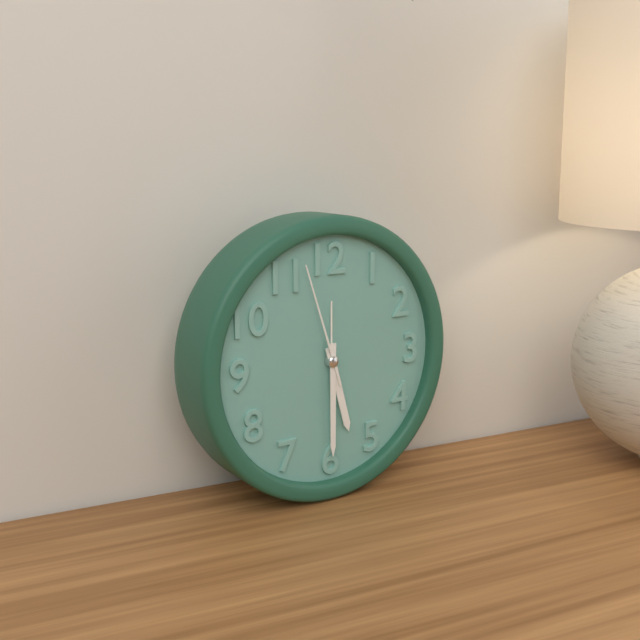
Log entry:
h=5 m=30 s=57
